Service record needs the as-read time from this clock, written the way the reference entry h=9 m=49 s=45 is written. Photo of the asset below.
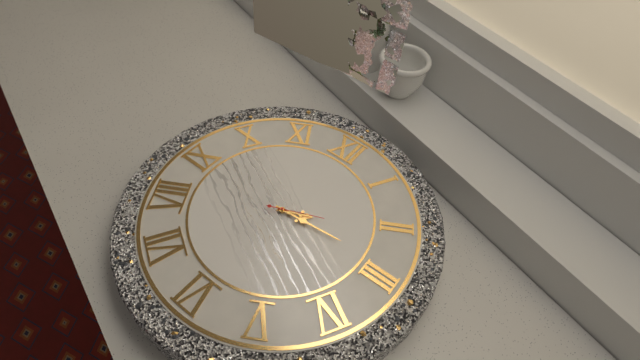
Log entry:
h=2 m=14 s=11
